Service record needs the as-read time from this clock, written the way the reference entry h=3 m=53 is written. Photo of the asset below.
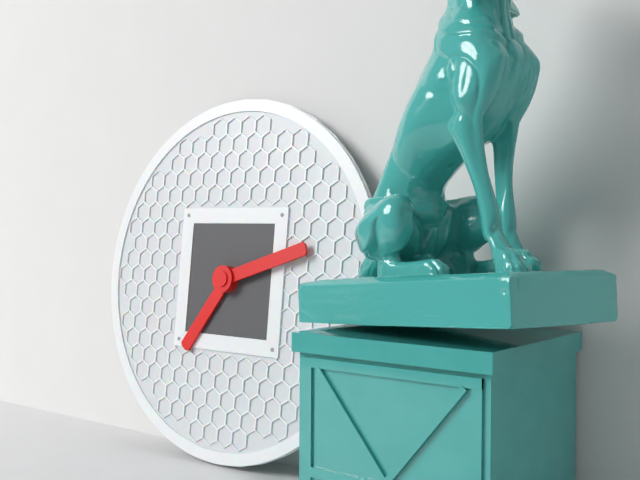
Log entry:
h=7 m=12
